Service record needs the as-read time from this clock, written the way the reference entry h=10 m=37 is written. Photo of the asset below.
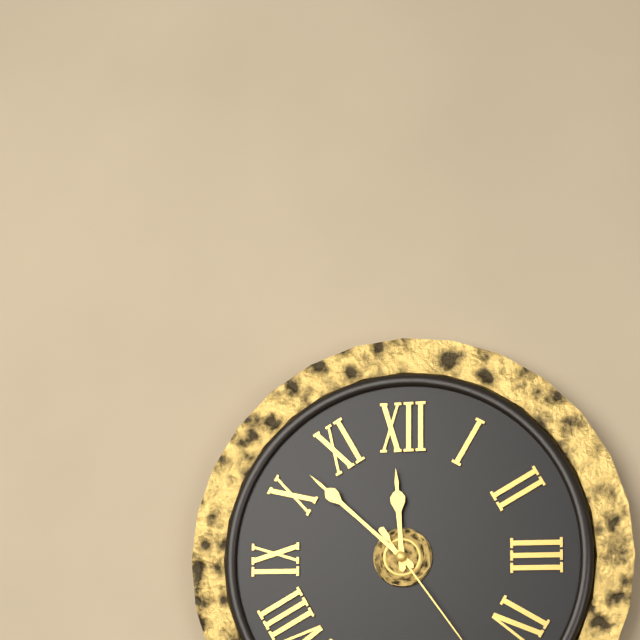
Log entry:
h=11 m=52
